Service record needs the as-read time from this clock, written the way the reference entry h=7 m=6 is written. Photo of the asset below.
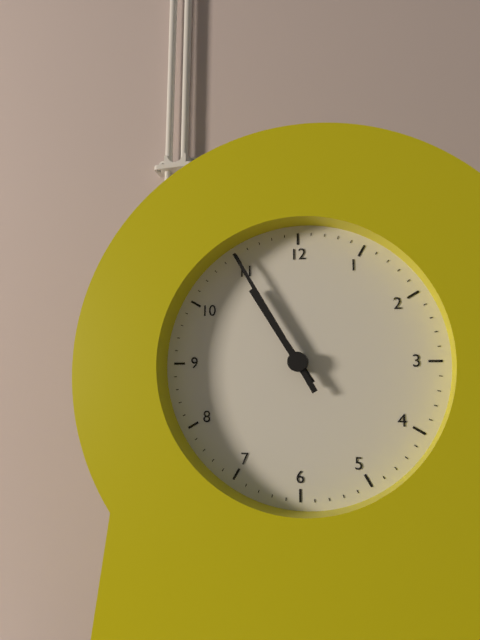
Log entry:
h=10 m=55
